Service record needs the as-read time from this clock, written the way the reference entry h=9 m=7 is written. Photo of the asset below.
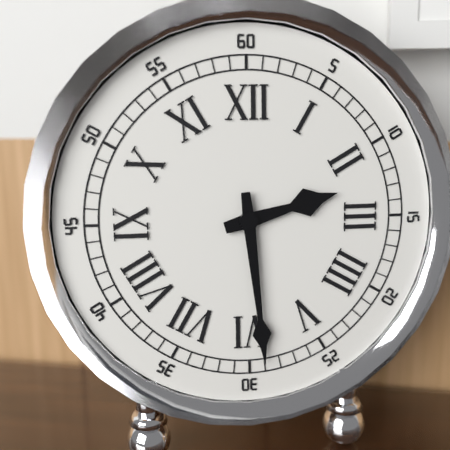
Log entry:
h=2 m=29
